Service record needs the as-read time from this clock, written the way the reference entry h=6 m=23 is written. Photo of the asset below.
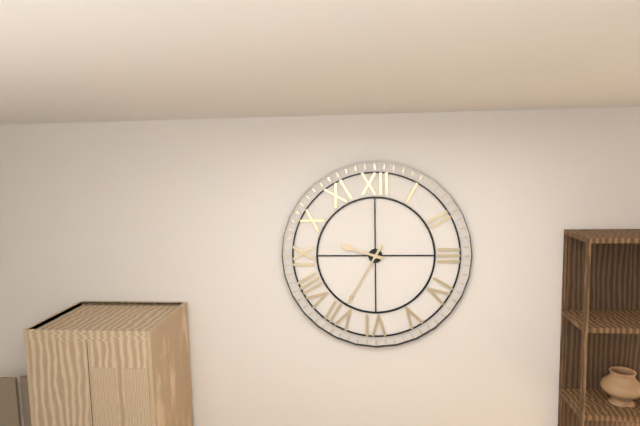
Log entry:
h=9 m=35
